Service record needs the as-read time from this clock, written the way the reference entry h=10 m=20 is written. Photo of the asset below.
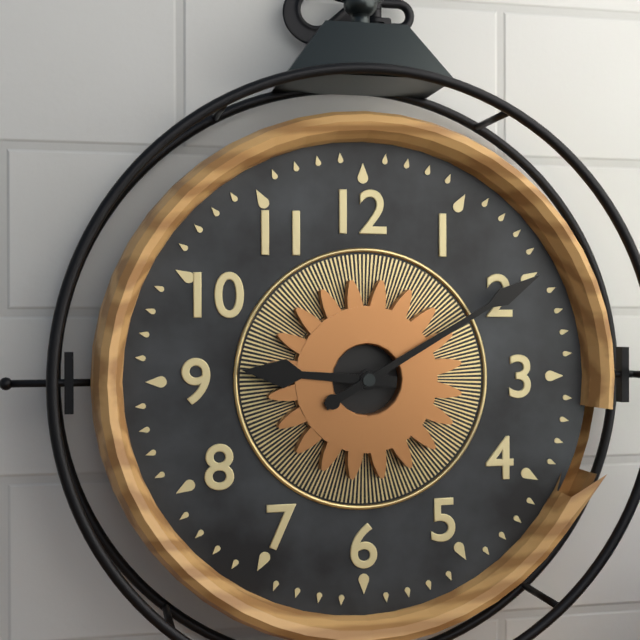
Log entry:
h=9 m=10
